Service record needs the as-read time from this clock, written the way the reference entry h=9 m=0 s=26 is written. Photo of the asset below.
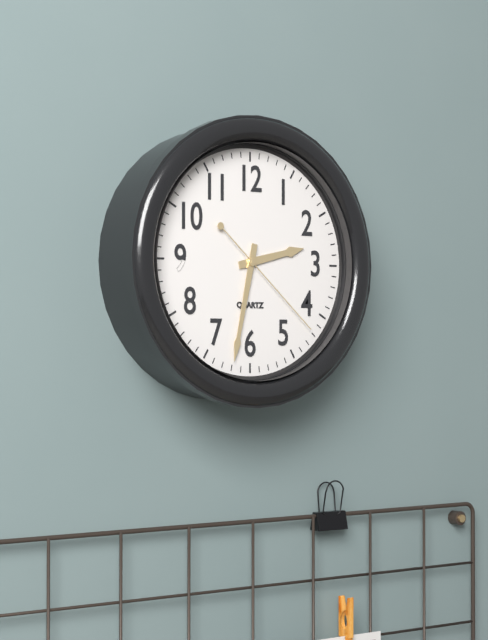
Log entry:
h=2 m=32 s=22
